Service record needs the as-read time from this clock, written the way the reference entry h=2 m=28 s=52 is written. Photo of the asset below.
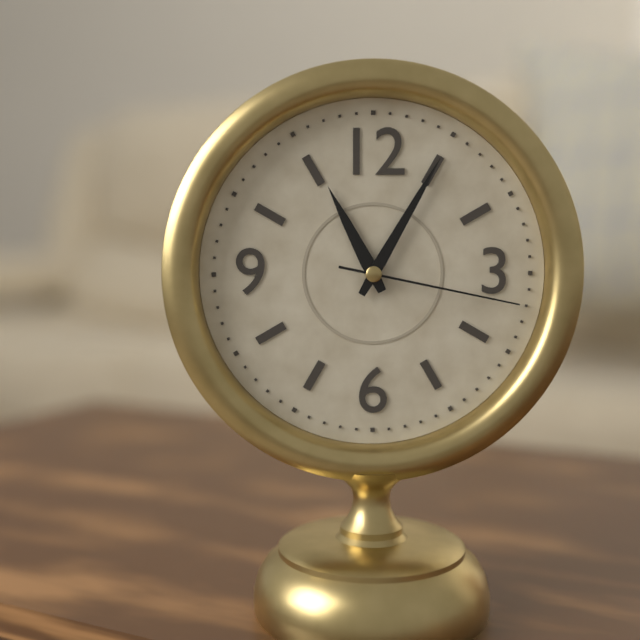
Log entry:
h=11 m=5 s=17
